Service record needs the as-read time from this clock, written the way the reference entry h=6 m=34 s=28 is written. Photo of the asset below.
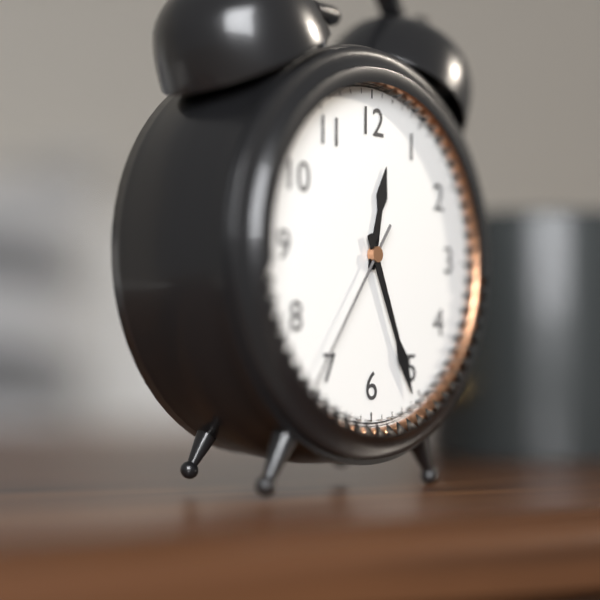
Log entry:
h=12 m=26 s=36
